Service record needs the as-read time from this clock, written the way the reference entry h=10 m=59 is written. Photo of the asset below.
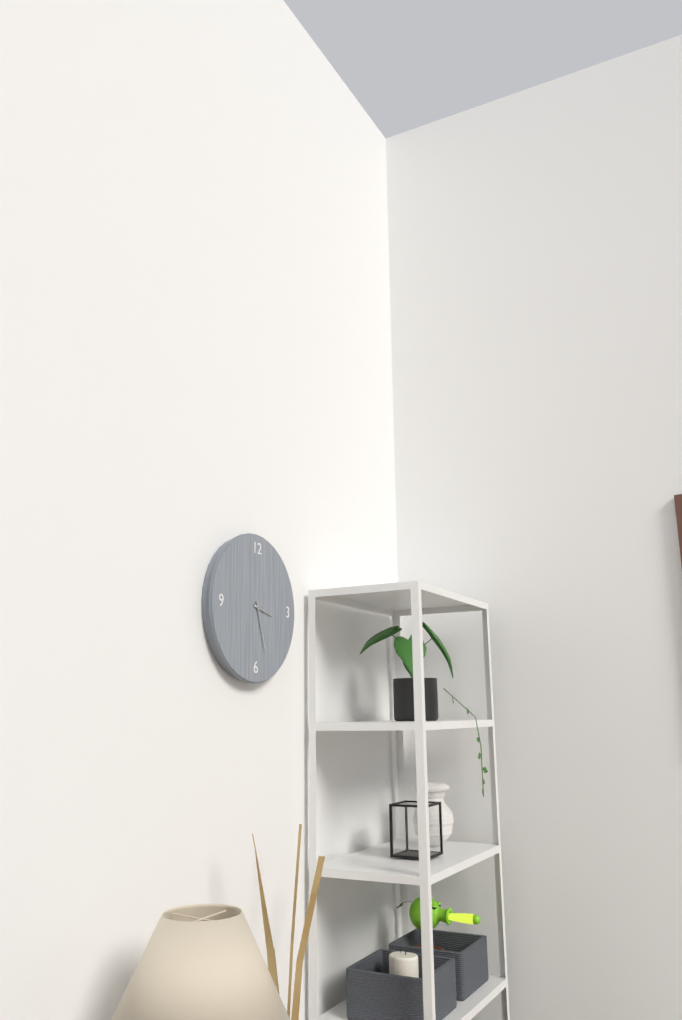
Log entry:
h=3 m=27
